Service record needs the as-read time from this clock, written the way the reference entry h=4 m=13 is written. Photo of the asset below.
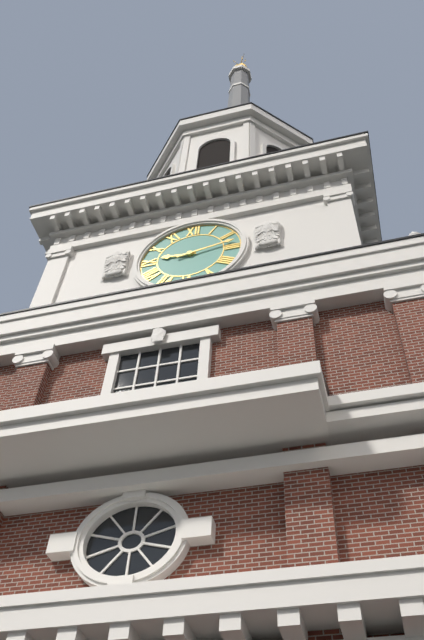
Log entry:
h=9 m=13
